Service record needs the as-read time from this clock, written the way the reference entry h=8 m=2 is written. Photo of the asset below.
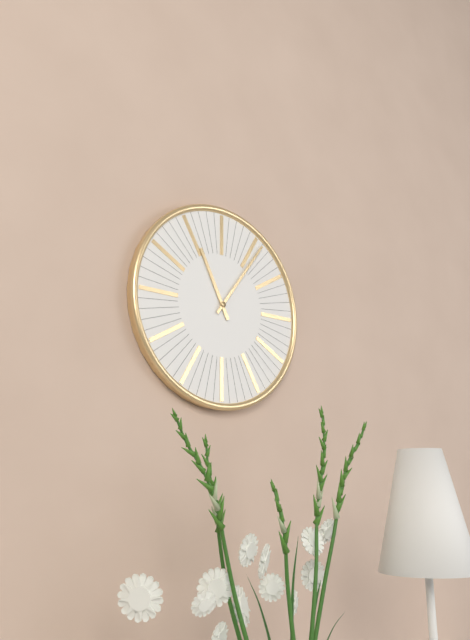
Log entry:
h=11 m=6
